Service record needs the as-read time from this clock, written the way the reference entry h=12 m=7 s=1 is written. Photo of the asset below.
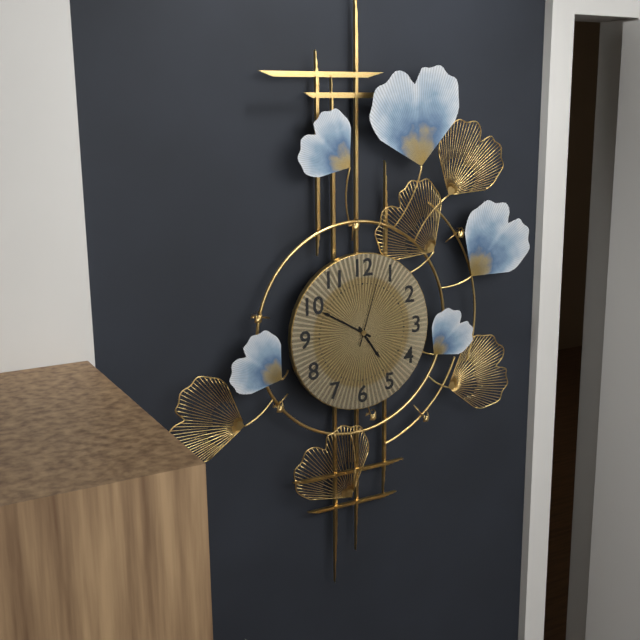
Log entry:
h=4 m=50 s=3
